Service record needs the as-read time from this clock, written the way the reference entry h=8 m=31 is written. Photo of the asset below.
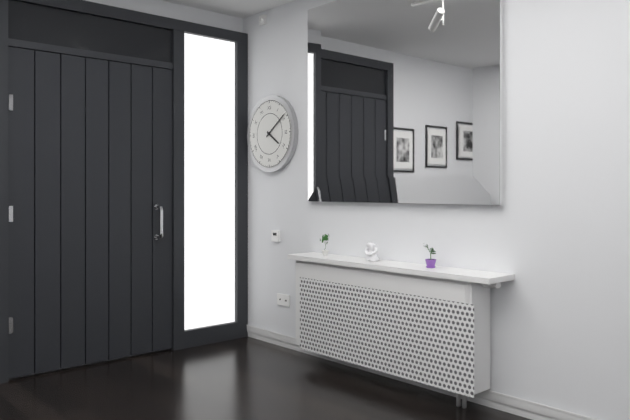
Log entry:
h=4 m=9
